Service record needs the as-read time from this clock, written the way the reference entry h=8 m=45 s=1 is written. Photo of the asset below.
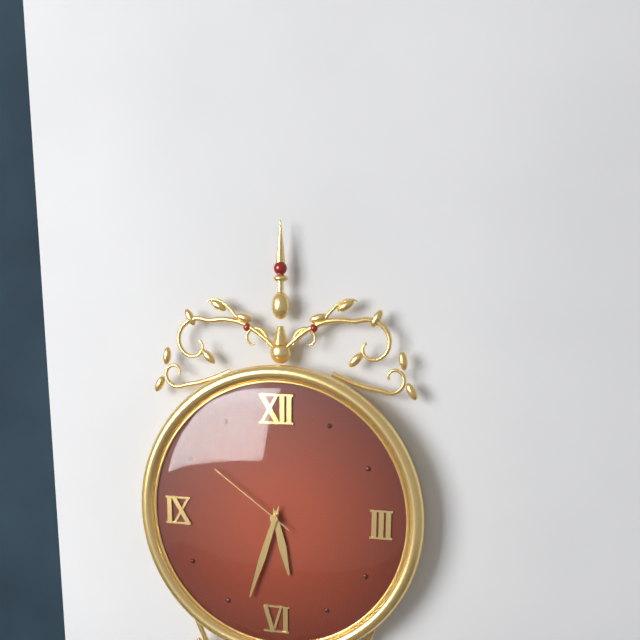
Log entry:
h=5 m=33 s=51
